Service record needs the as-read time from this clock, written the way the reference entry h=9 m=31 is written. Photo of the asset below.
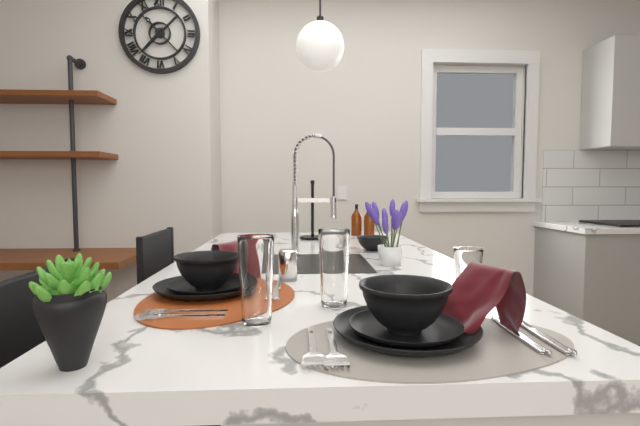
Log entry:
h=10 m=37
